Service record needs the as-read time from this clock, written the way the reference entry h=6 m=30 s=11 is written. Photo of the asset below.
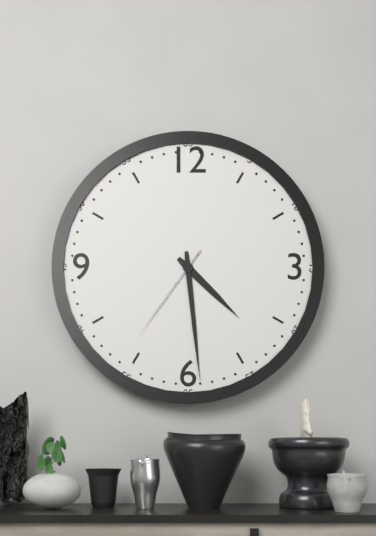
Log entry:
h=4 m=29 s=36
